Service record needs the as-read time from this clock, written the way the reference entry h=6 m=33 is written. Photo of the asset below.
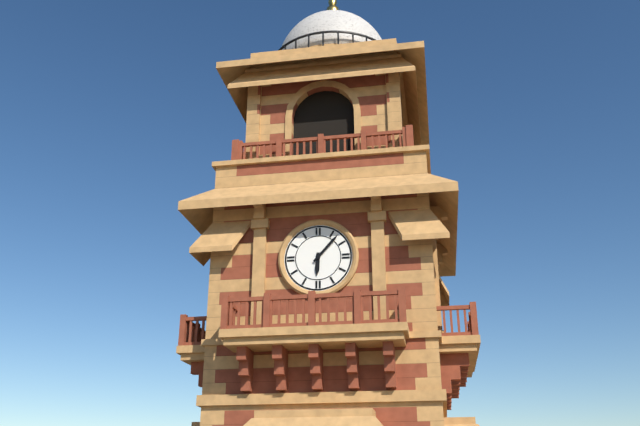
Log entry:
h=6 m=7
